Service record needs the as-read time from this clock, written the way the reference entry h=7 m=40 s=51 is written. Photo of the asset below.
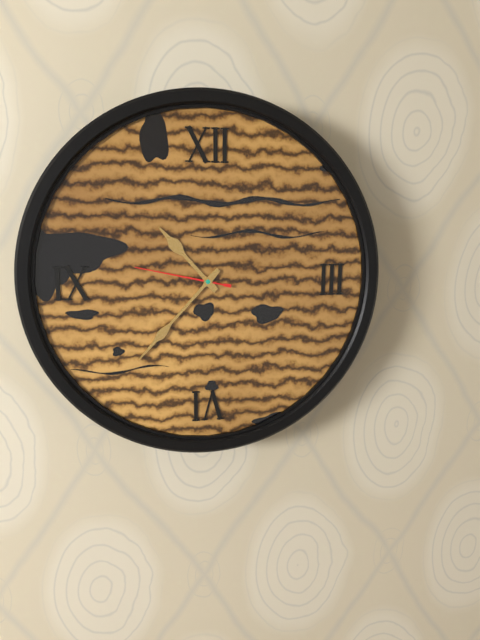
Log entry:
h=10 m=37 s=47
